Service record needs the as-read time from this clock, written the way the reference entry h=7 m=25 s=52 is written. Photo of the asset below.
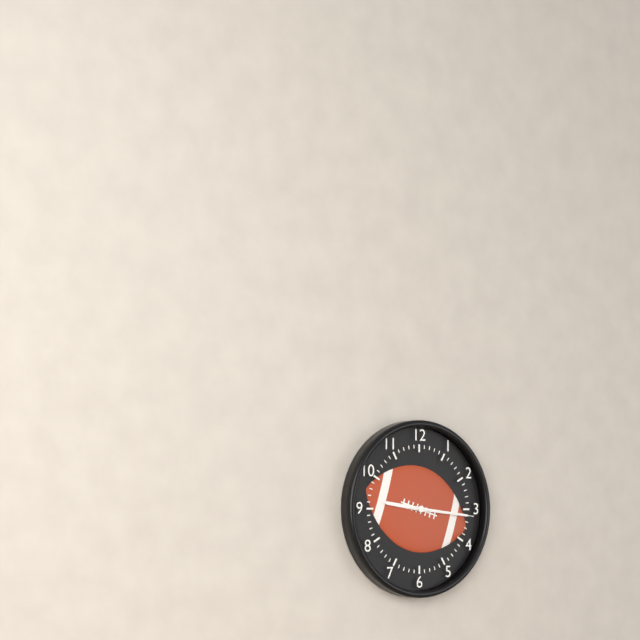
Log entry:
h=9 m=16 s=16
